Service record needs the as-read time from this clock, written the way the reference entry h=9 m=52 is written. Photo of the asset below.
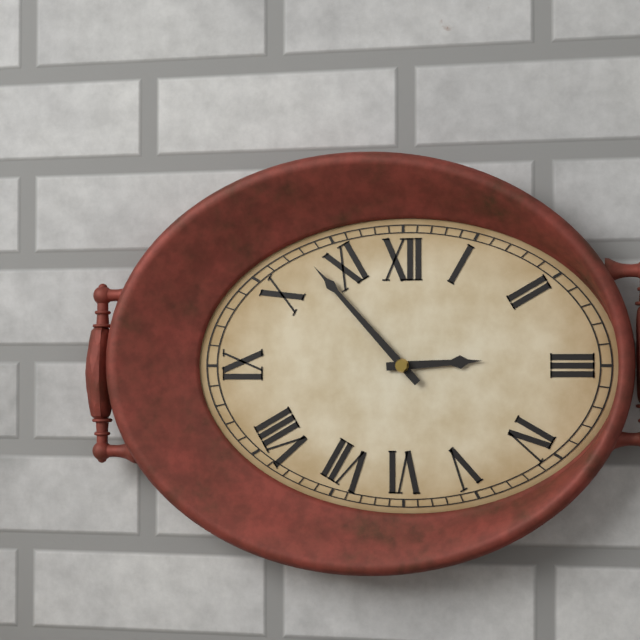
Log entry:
h=2 m=53
